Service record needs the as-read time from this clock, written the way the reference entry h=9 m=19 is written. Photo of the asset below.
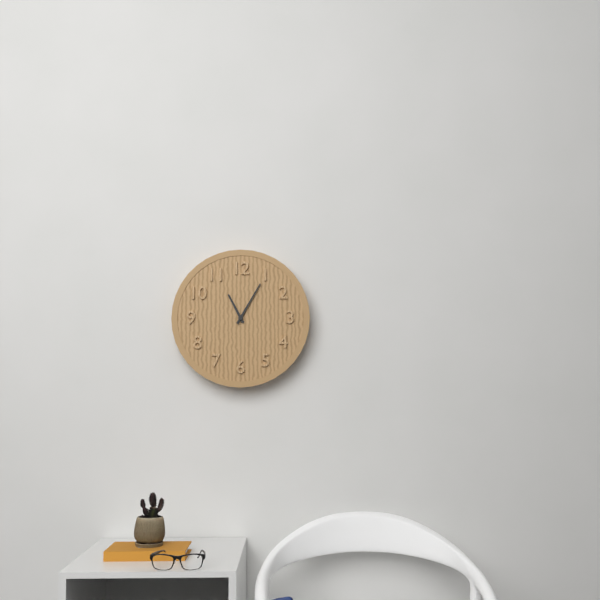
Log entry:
h=11 m=5
